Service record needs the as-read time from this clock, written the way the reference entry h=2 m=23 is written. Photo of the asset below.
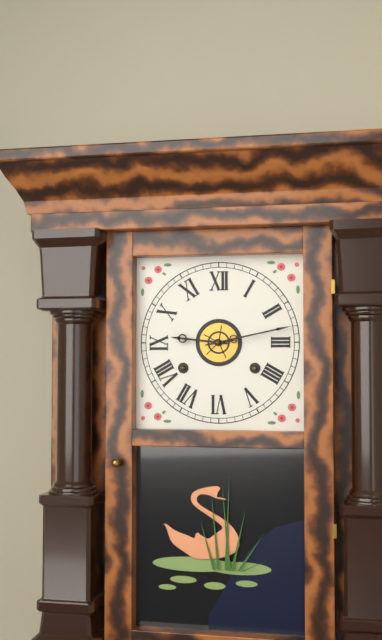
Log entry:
h=9 m=13
